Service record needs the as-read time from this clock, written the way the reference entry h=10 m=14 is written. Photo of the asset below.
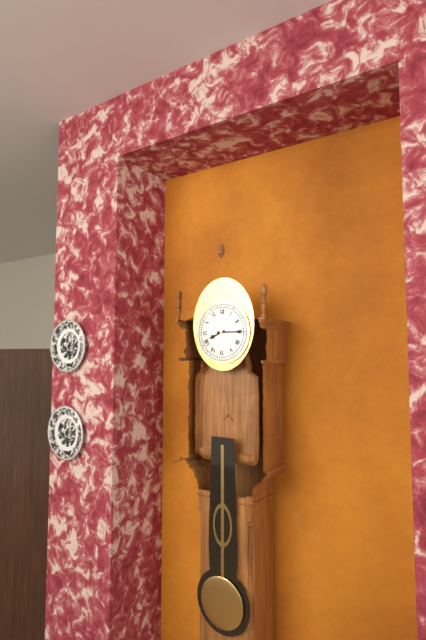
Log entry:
h=8 m=15
